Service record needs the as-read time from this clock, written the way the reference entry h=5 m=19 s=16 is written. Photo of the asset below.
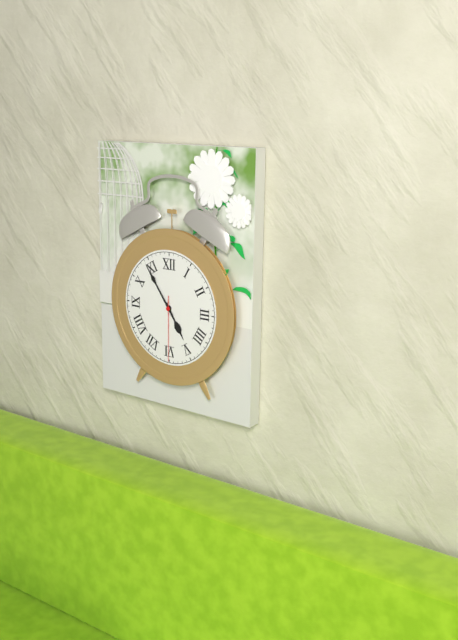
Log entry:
h=4 m=54 s=30
